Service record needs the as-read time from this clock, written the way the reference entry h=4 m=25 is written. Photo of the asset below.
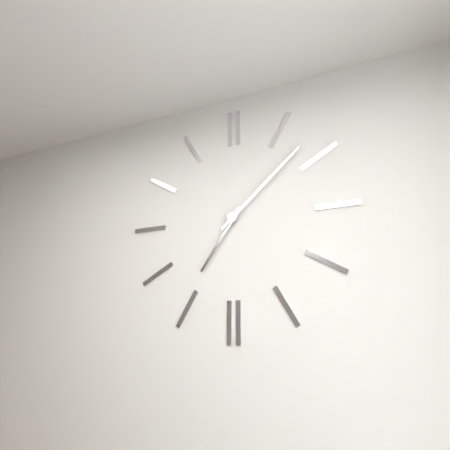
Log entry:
h=7 m=8
